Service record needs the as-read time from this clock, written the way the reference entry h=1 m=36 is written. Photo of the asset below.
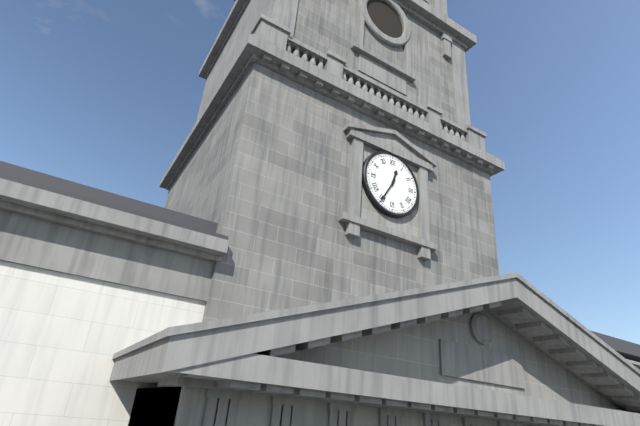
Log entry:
h=12 m=35
